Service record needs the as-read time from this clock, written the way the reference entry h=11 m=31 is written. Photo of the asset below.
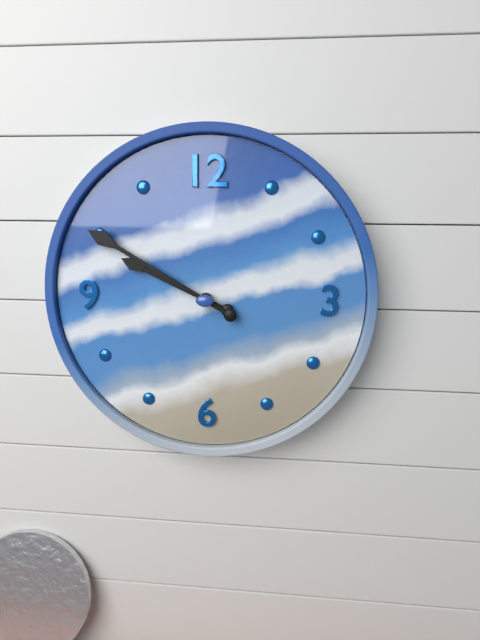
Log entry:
h=9 m=50
